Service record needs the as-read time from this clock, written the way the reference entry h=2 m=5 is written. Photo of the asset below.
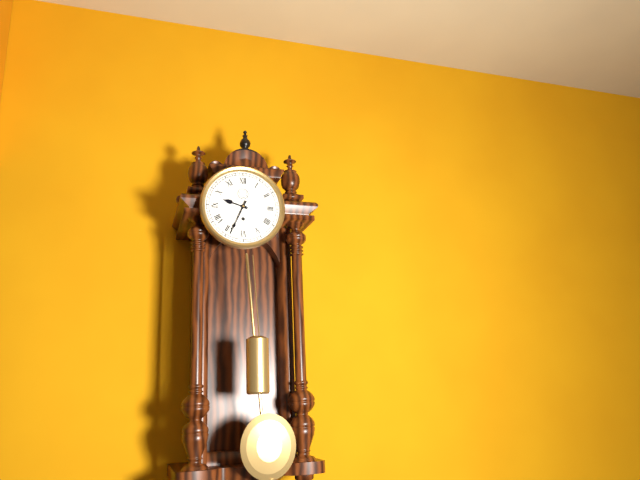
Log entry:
h=9 m=34
